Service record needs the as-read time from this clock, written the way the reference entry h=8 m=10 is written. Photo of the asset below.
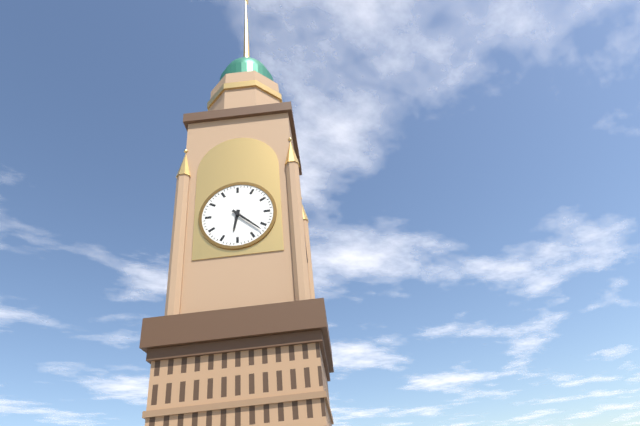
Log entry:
h=6 m=22
